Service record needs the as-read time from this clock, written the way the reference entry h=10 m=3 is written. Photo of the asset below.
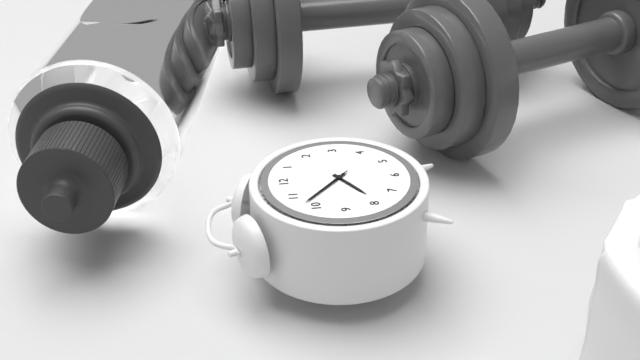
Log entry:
h=7 m=52
